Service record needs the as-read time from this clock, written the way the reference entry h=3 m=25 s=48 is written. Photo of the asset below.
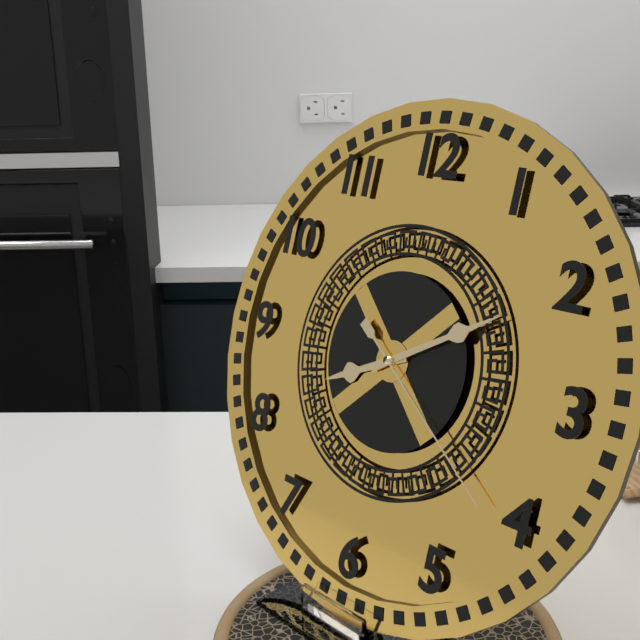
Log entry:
h=8 m=10 s=21
